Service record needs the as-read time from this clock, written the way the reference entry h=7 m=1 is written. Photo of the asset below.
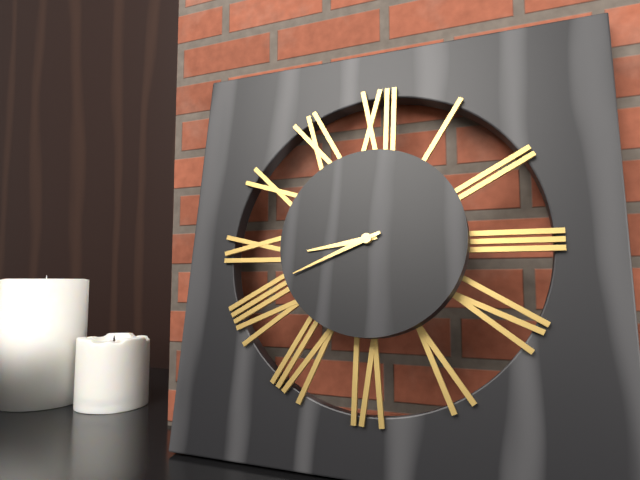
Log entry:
h=8 m=41
